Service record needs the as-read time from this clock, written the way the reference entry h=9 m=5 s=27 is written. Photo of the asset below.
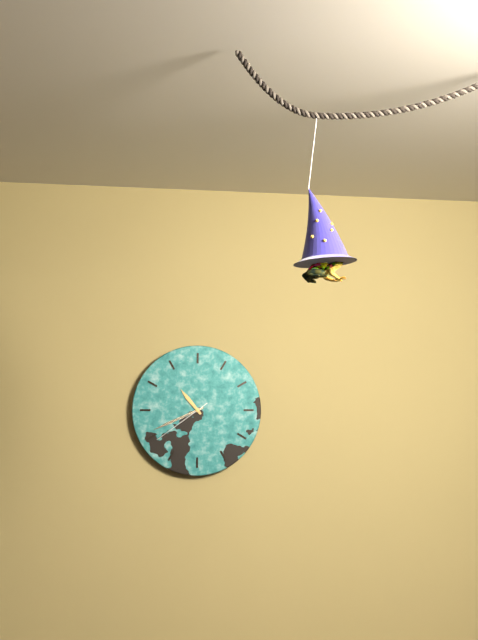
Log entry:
h=10 m=41 s=39
